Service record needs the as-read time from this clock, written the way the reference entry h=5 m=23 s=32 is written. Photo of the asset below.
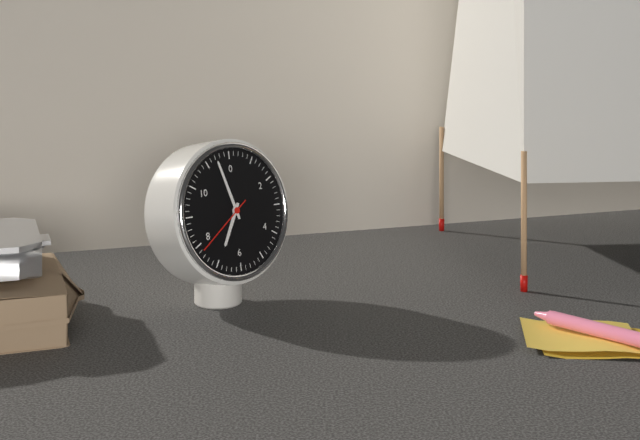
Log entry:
h=6 m=57 s=39
